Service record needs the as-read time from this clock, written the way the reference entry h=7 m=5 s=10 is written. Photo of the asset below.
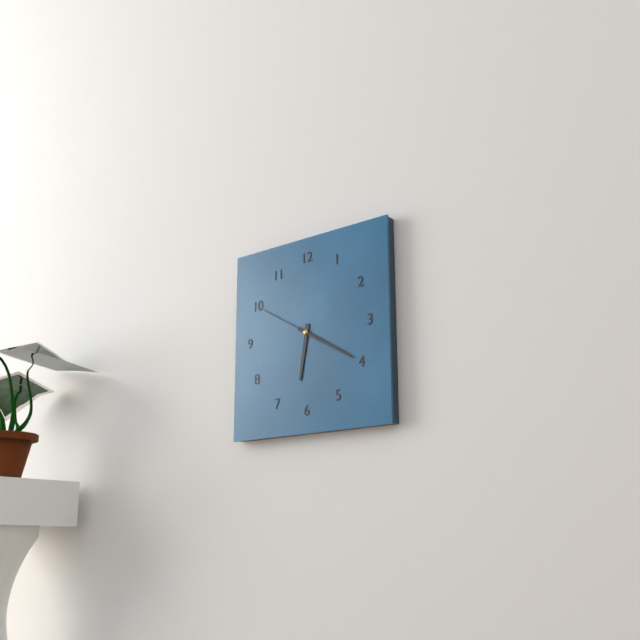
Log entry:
h=6 m=20 s=50
